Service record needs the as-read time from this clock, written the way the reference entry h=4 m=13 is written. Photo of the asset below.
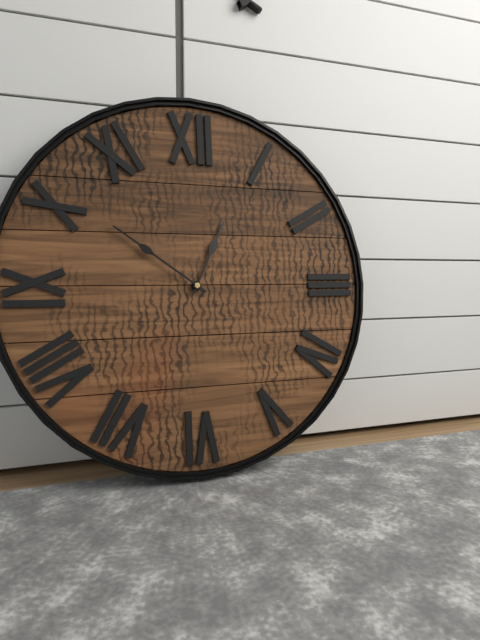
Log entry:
h=12 m=51
